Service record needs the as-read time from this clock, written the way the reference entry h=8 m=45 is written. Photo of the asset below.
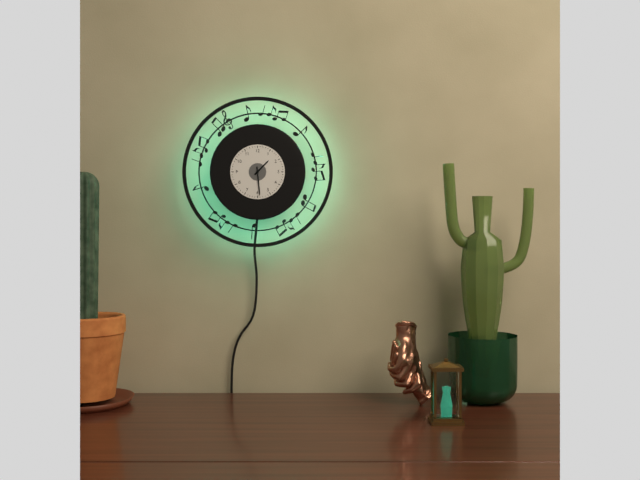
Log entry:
h=1 m=29
